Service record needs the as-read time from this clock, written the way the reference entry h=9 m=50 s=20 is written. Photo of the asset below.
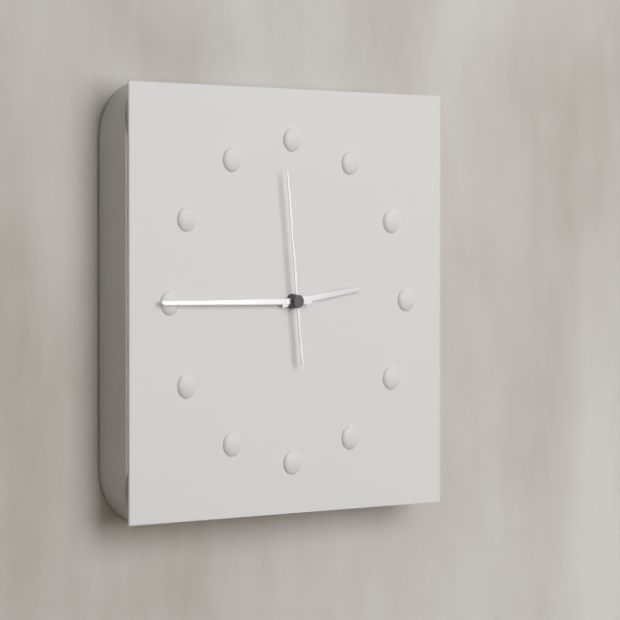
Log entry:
h=2 m=45 s=59
